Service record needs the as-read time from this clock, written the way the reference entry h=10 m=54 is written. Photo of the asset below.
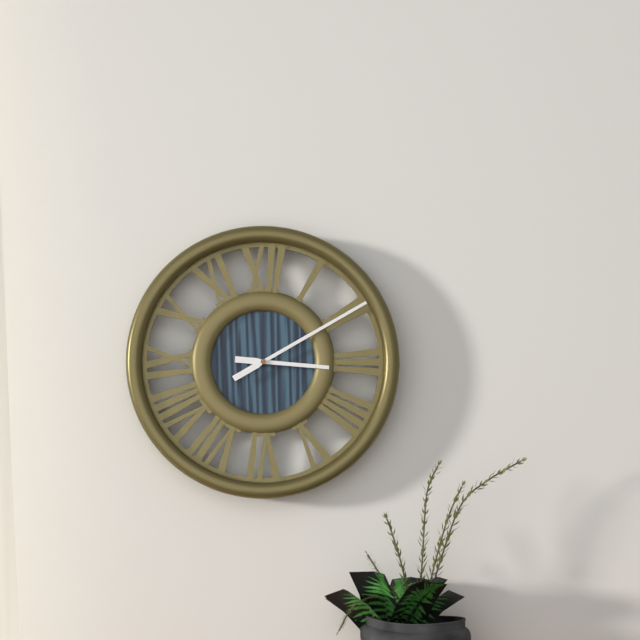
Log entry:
h=3 m=10
